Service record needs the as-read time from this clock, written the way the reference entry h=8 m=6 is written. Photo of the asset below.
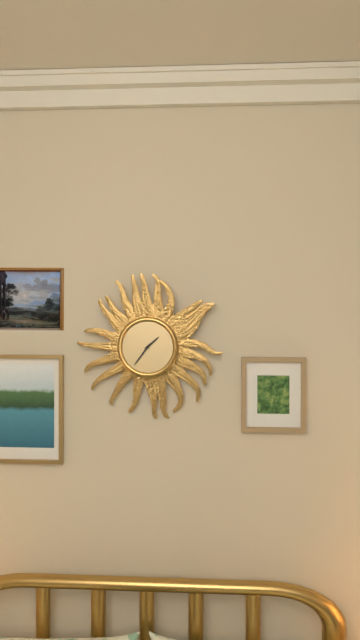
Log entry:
h=1 m=36
